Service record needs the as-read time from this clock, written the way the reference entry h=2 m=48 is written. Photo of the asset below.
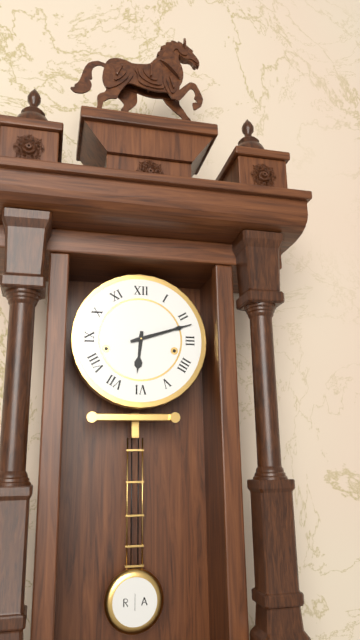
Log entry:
h=6 m=12
